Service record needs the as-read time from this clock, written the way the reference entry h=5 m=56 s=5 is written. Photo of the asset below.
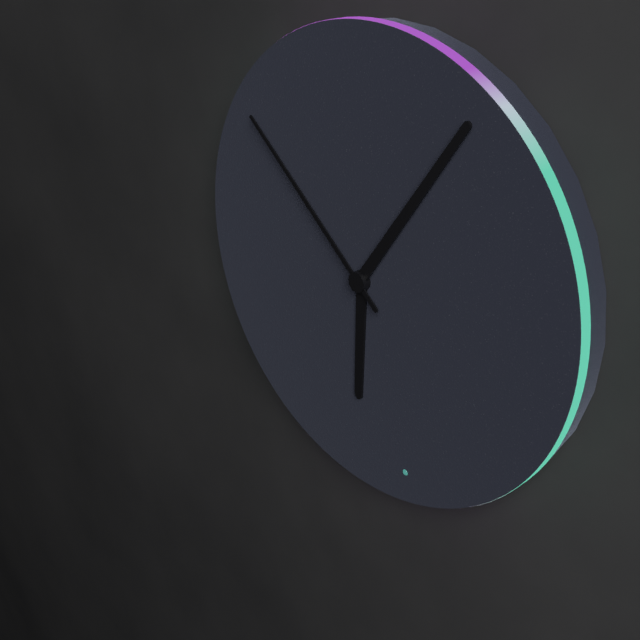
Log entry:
h=6 m=6 s=52
